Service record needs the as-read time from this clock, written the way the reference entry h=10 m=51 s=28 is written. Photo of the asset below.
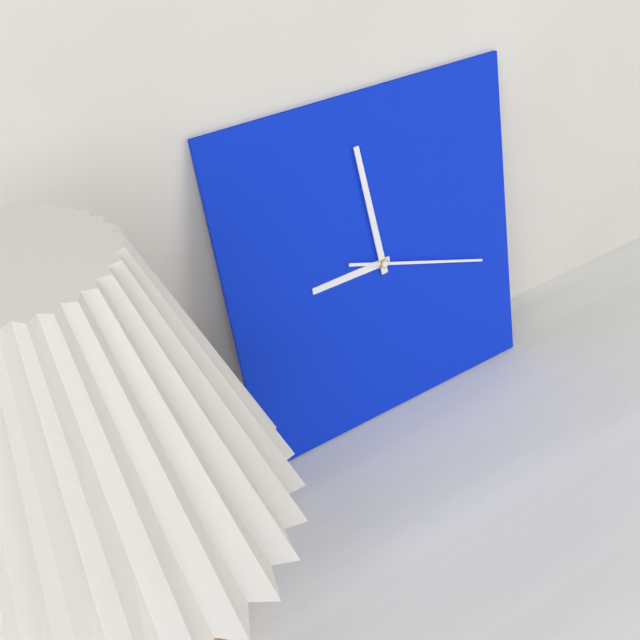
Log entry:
h=8 m=59 s=18
